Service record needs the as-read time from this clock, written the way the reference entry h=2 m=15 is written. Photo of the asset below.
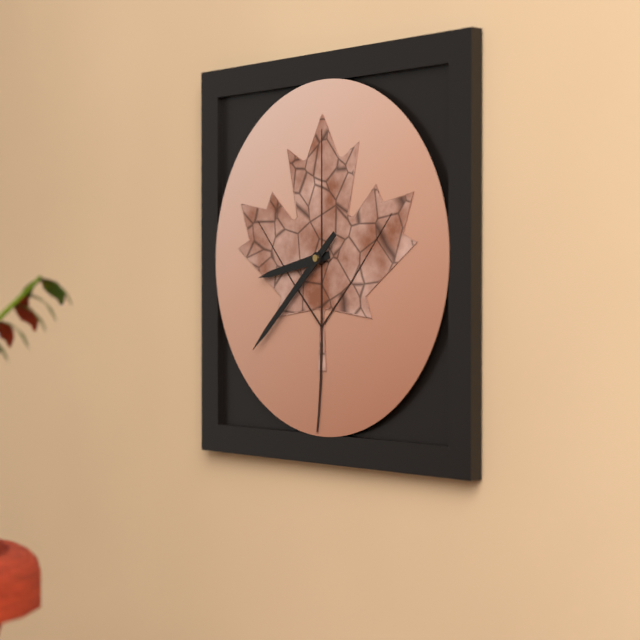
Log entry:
h=8 m=38
